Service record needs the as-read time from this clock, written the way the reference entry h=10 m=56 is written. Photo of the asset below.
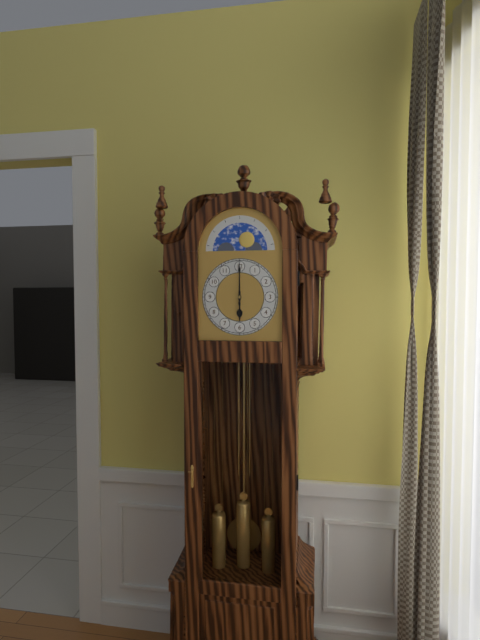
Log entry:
h=6 m=0
